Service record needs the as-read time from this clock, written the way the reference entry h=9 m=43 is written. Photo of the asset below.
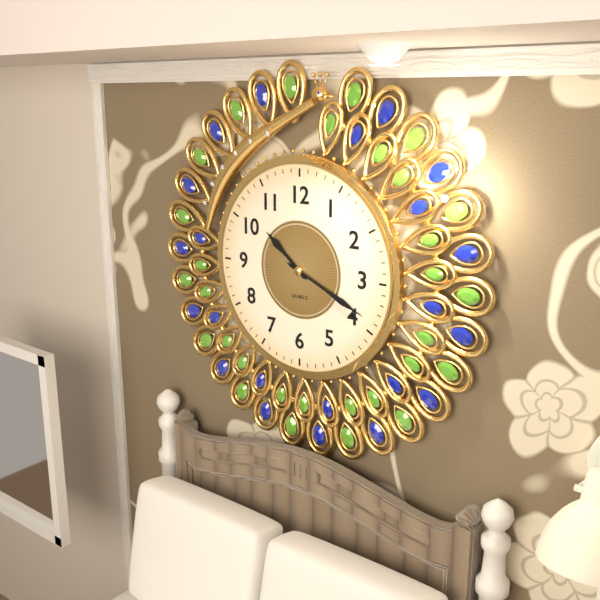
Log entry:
h=10 m=19
